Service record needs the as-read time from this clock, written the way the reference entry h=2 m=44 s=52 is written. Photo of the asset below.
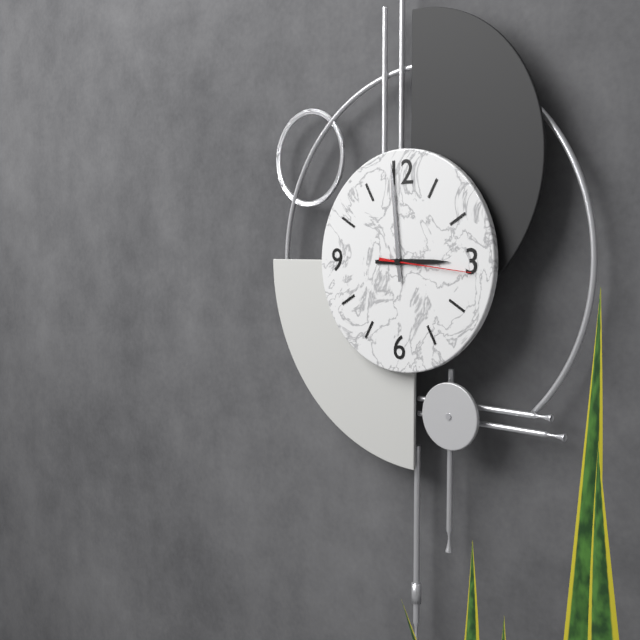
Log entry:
h=2 m=59 s=16
